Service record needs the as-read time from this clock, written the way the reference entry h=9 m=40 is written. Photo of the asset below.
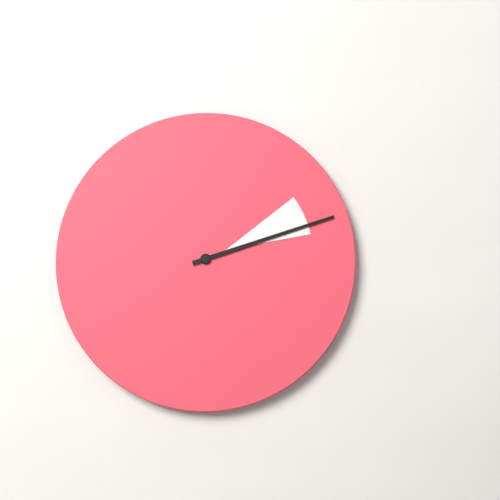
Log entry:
h=2 m=12
